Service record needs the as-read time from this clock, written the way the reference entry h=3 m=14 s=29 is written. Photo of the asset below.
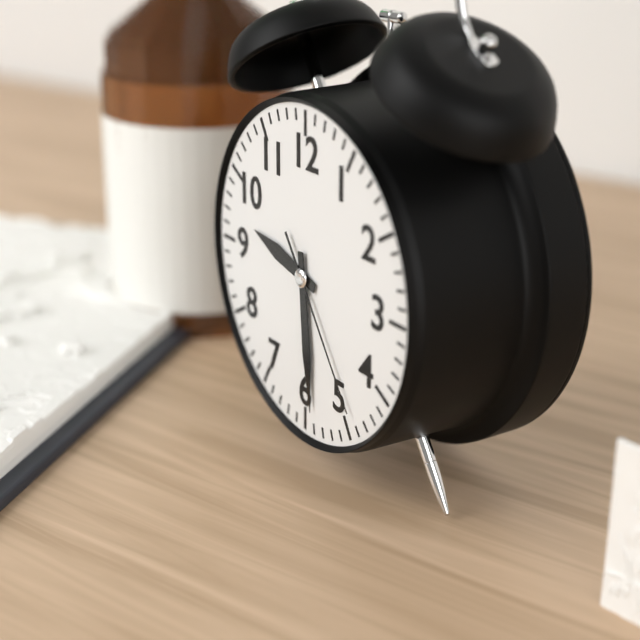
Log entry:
h=9 m=29 s=24
